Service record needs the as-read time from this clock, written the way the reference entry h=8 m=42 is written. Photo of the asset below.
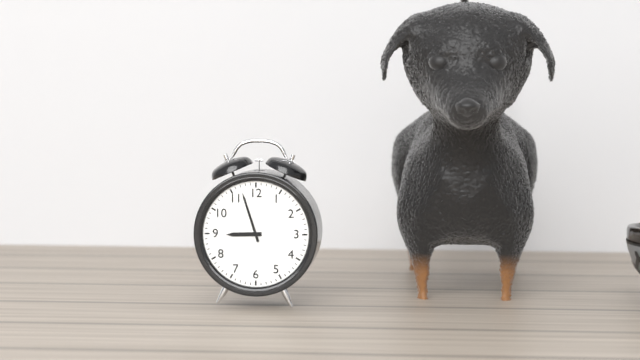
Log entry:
h=8 m=57
